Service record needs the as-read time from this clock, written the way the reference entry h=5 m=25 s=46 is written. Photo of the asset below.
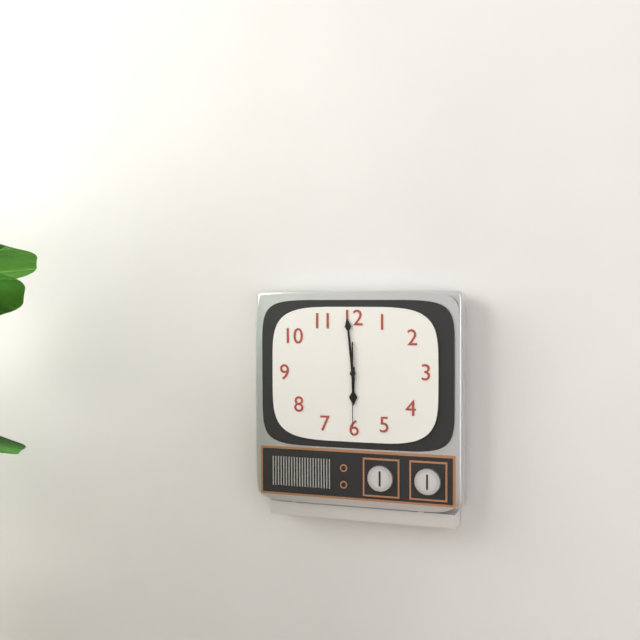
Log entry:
h=5 m=59 s=30
